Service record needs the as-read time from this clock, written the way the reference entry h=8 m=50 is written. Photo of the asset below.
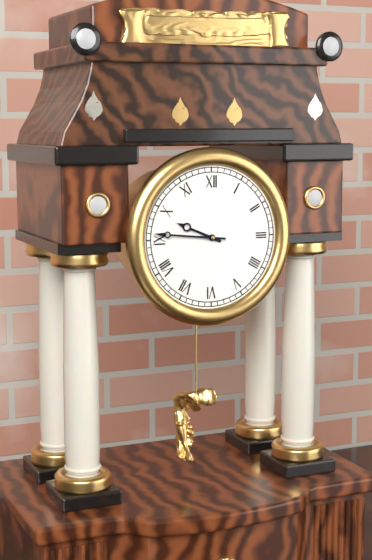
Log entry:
h=9 m=46
